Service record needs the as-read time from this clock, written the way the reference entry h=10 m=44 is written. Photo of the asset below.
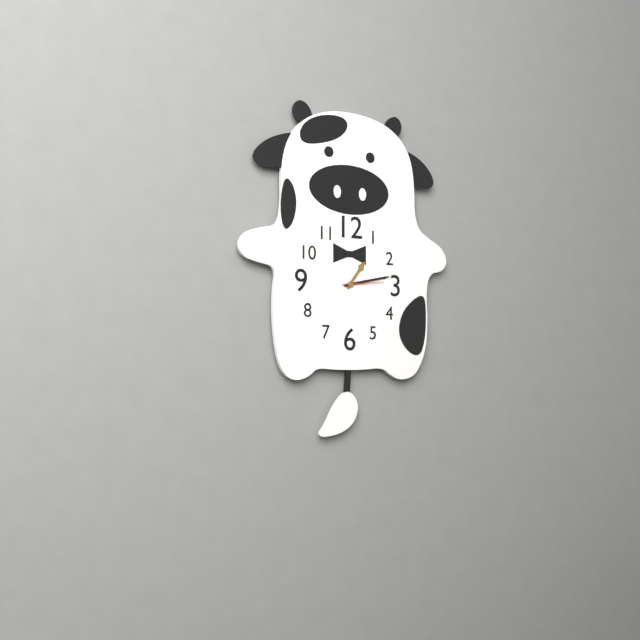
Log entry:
h=1 m=13
